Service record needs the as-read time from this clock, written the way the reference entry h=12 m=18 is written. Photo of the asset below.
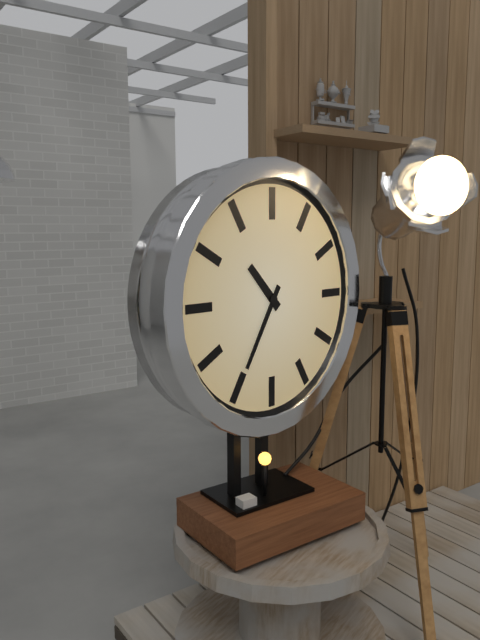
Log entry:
h=10 m=35
